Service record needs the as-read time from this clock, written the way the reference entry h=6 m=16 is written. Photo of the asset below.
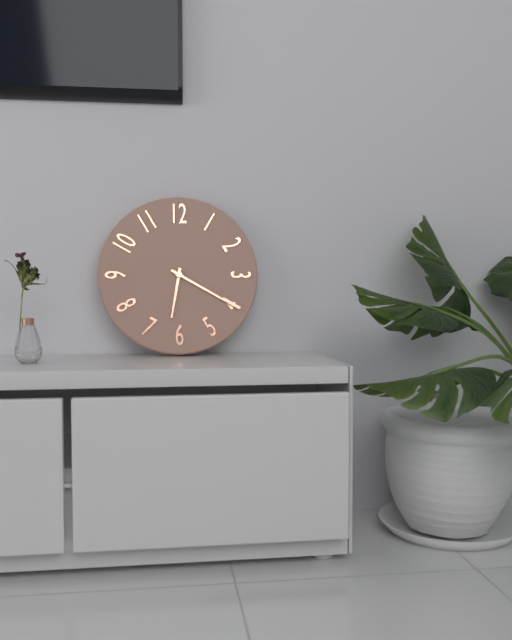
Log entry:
h=6 m=20
